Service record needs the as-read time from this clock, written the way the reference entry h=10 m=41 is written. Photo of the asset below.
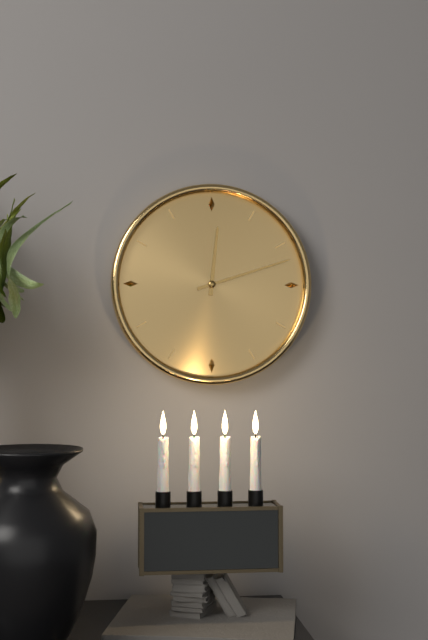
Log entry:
h=12 m=12
